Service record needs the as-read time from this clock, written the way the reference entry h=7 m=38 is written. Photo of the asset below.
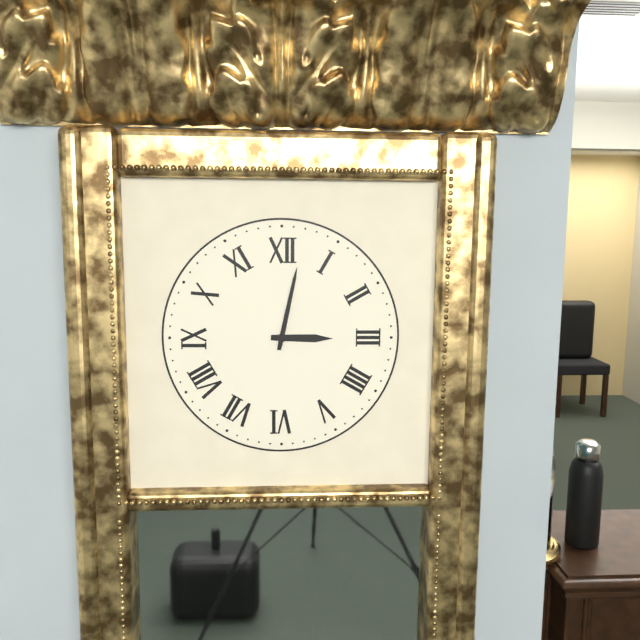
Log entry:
h=3 m=2
